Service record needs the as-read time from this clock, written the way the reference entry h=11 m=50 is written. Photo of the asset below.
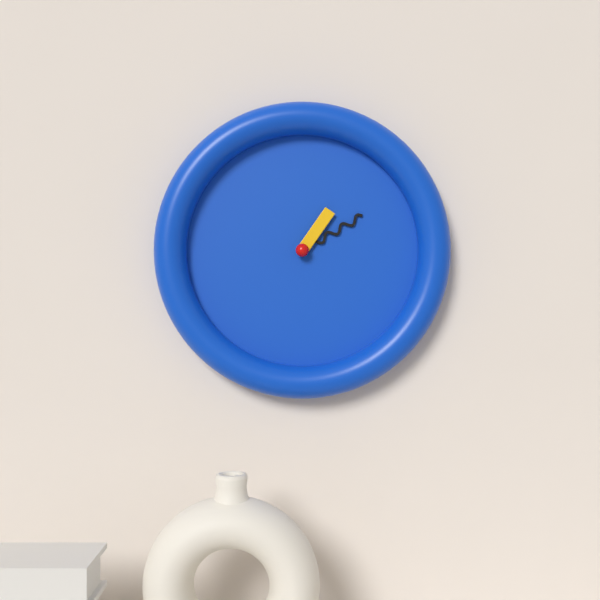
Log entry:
h=1 m=10
